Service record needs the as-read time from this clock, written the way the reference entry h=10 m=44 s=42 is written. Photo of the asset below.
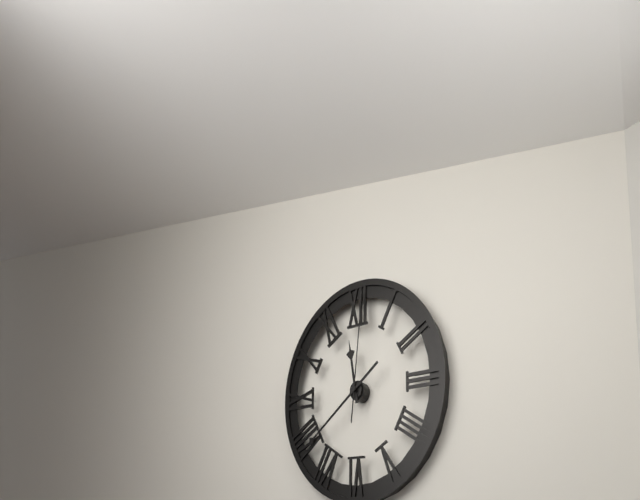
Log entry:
h=11 m=39 s=1
